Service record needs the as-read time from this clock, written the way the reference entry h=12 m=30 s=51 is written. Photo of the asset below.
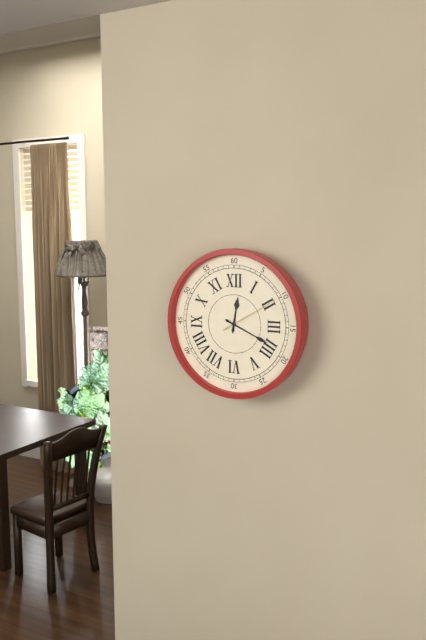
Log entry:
h=12 m=19 s=10
